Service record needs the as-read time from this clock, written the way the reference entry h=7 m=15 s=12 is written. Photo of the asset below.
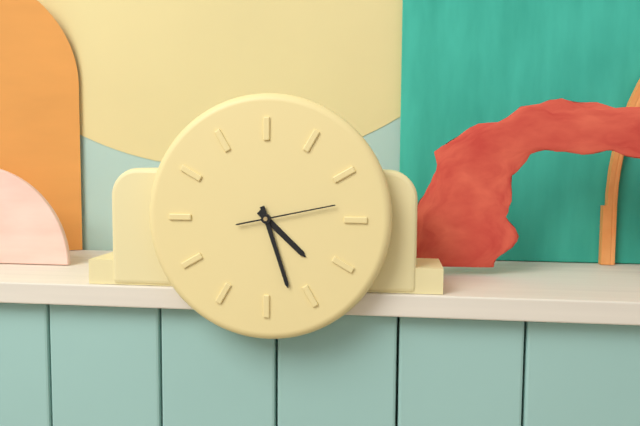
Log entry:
h=4 m=27 s=13
